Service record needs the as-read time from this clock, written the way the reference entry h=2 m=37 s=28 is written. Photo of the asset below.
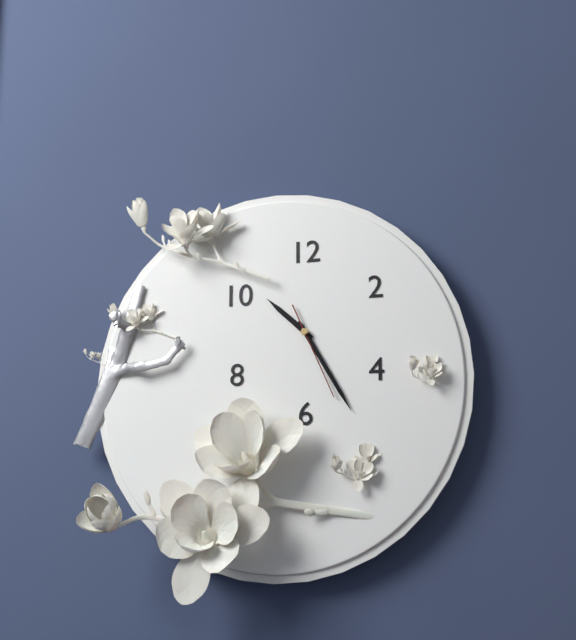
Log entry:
h=10 m=25 s=26
